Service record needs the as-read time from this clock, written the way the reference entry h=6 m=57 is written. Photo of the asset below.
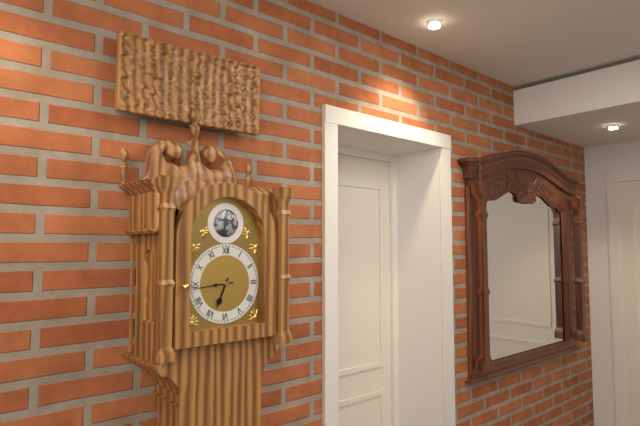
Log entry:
h=6 m=44
